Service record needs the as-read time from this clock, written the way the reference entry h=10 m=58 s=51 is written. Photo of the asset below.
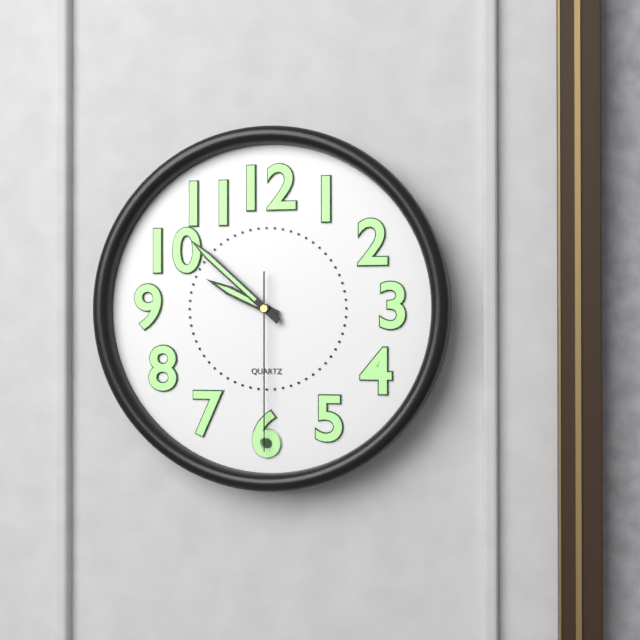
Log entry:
h=9 m=52 s=30
